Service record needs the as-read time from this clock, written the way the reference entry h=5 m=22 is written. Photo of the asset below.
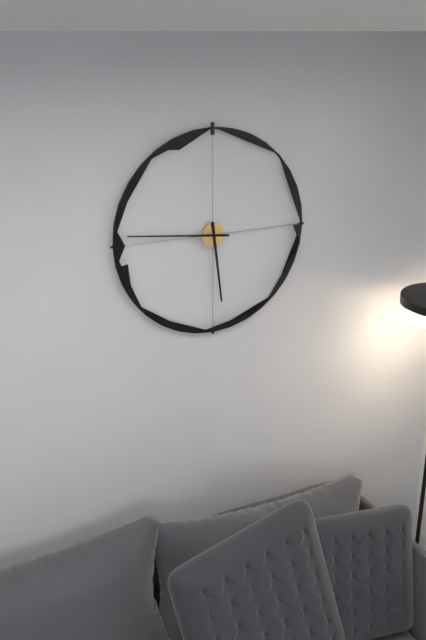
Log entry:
h=5 m=46
